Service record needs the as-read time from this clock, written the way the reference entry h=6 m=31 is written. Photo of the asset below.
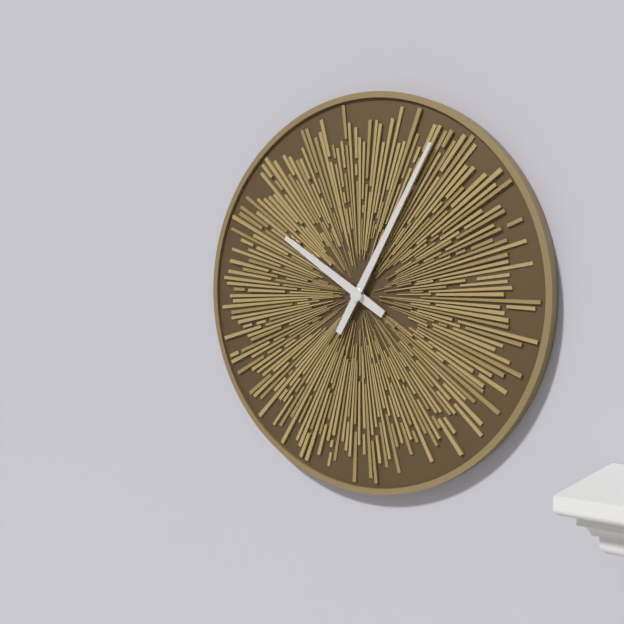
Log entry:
h=10 m=5
